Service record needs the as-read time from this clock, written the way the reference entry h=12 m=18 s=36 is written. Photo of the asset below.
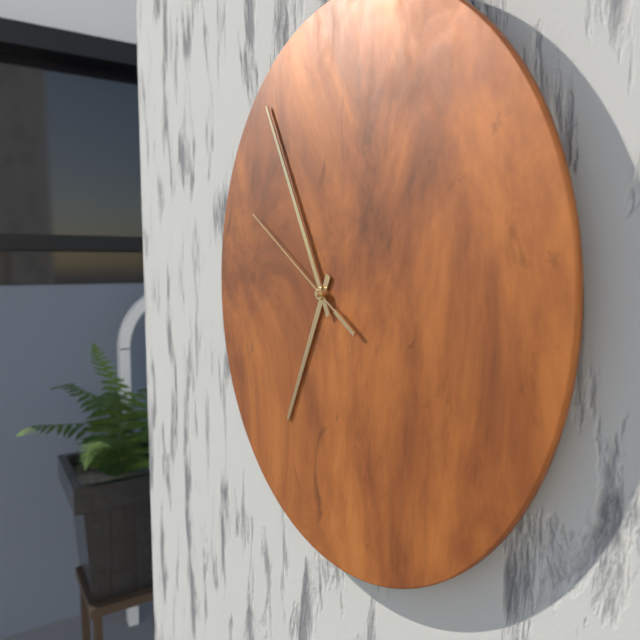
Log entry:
h=6 m=55 s=50
